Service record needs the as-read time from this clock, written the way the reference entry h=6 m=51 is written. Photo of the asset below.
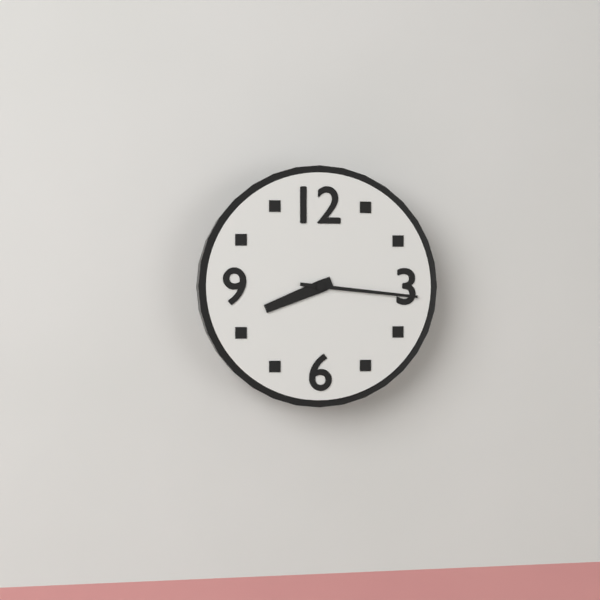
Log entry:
h=8 m=16
